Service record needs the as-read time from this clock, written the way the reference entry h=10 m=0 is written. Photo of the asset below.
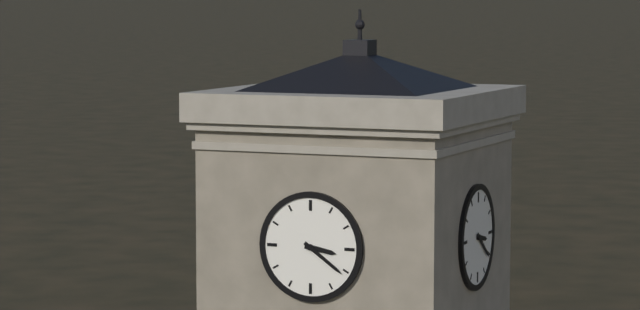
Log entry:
h=3 m=21
